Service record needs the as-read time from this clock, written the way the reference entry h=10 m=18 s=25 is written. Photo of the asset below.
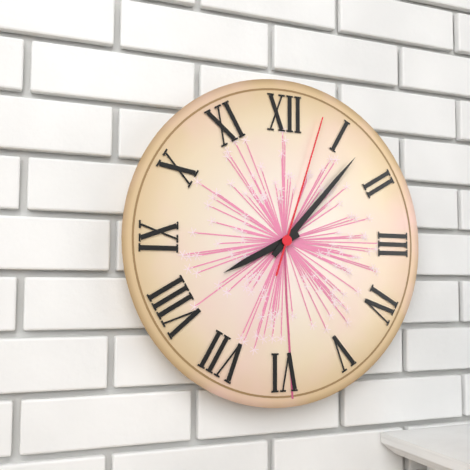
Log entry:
h=8 m=7 s=3
